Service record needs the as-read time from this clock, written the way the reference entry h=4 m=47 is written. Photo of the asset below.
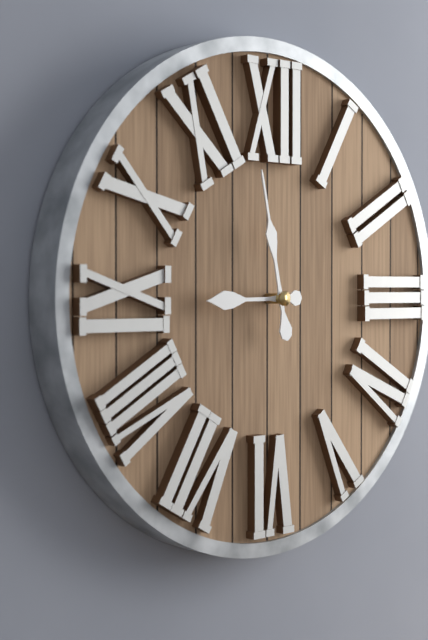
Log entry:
h=8 m=58
